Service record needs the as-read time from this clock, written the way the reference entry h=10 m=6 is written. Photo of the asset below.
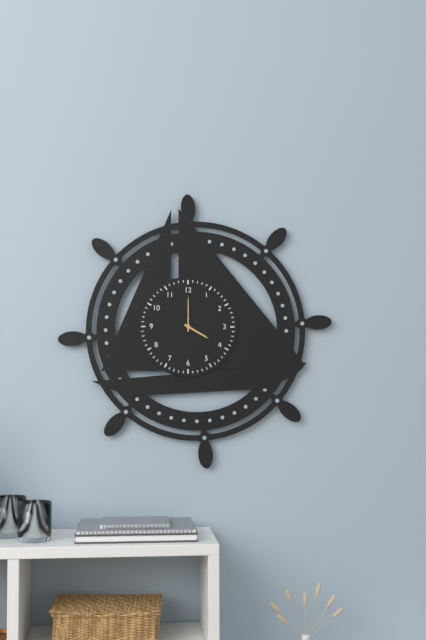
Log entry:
h=4 m=0
